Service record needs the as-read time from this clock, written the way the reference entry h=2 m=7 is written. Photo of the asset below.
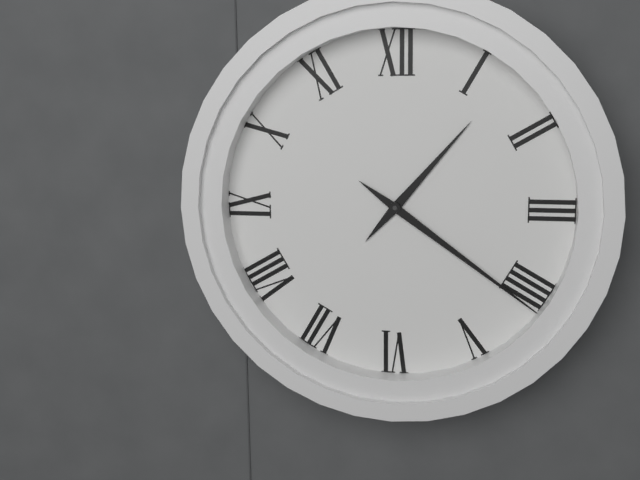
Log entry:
h=1 m=21
